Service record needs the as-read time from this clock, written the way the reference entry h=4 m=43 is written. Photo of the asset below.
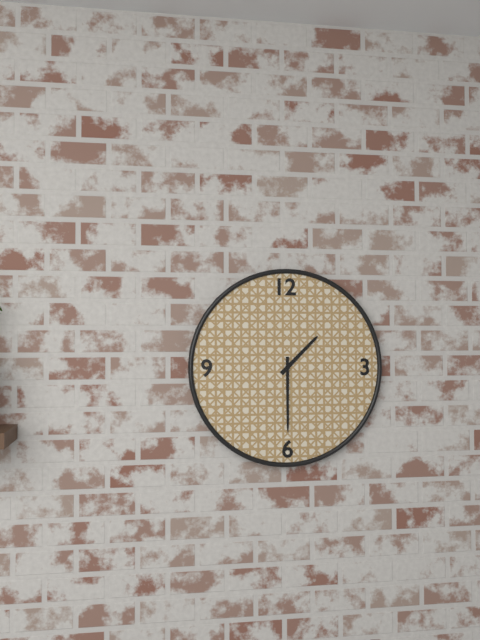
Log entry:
h=1 m=30
